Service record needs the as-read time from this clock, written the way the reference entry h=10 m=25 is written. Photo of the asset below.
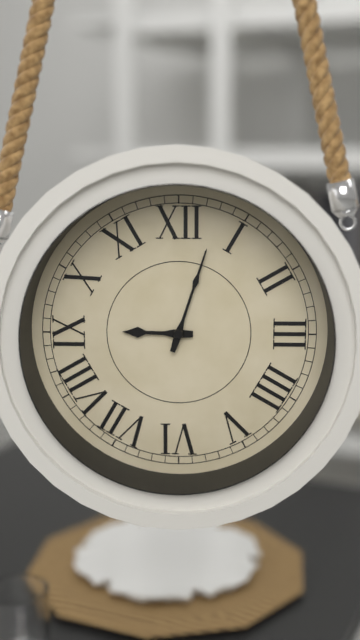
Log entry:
h=9 m=3
